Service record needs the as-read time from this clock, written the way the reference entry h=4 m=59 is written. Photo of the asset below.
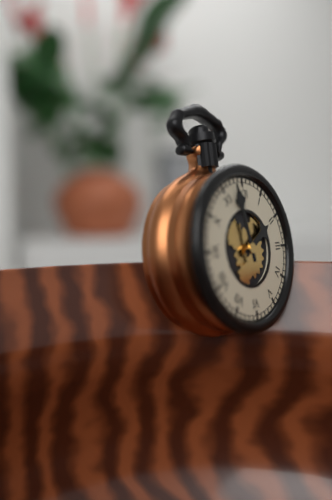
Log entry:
h=1 m=58
